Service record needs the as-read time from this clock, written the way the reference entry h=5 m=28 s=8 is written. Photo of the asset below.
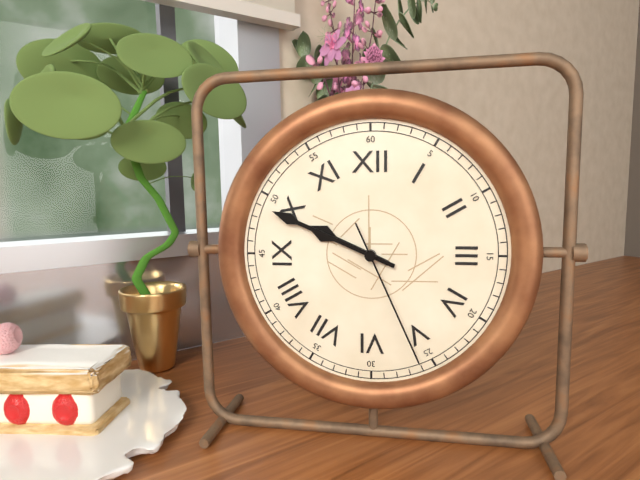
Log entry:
h=9 m=49 s=26
